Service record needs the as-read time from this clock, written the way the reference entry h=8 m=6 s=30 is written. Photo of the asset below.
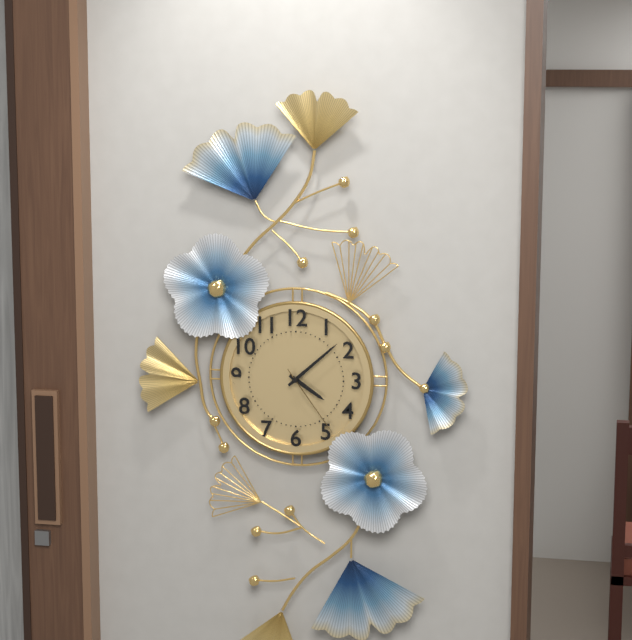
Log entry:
h=4 m=8 s=24
